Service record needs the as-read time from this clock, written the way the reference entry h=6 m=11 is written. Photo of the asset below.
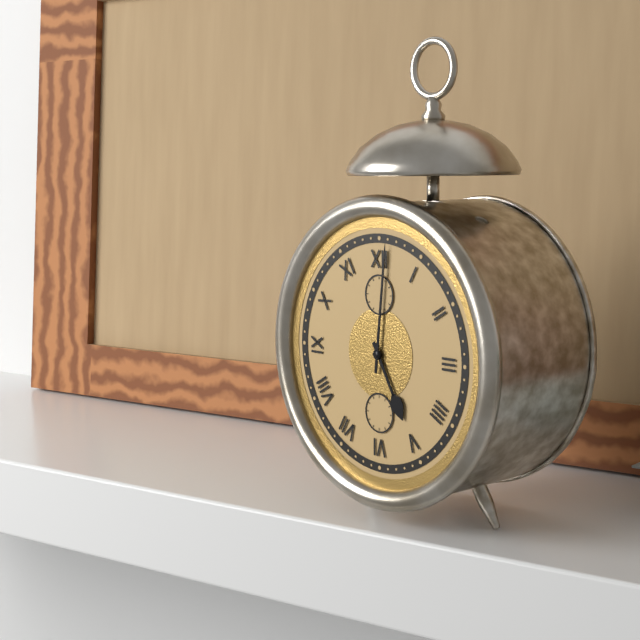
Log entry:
h=5 m=1
